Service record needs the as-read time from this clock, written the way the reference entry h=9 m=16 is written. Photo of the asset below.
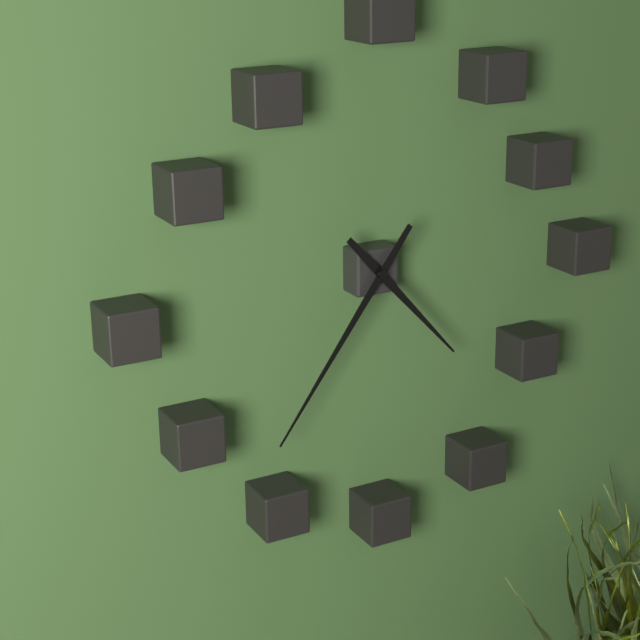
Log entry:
h=4 m=36
